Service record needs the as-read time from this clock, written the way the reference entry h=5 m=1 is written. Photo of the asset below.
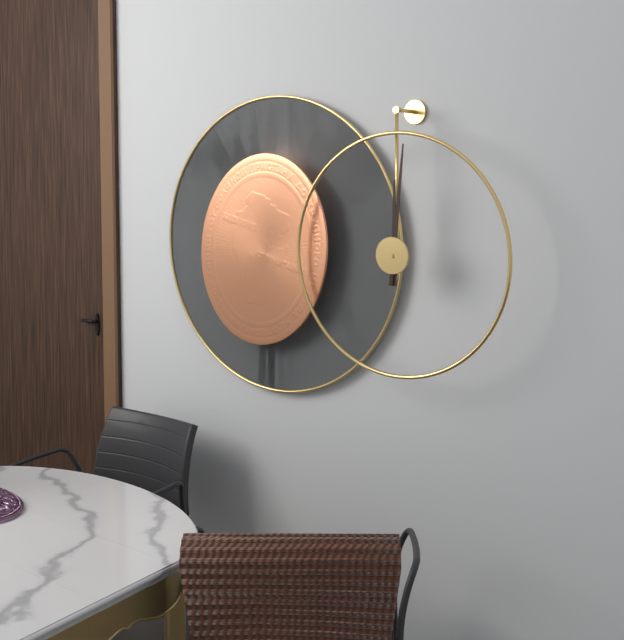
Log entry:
h=12 m=1
